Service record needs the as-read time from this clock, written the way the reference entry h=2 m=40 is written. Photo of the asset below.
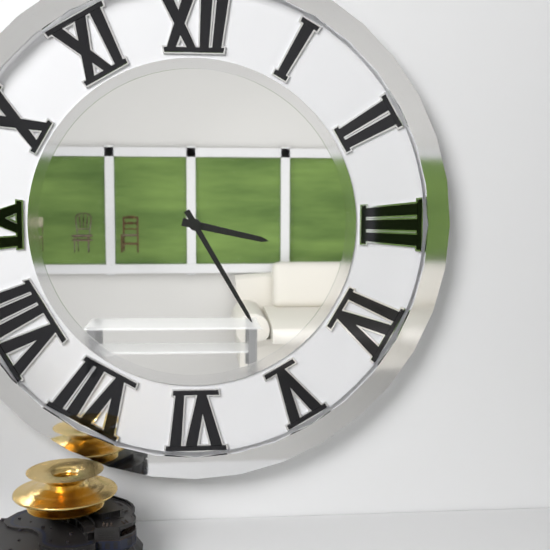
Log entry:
h=3 m=25
